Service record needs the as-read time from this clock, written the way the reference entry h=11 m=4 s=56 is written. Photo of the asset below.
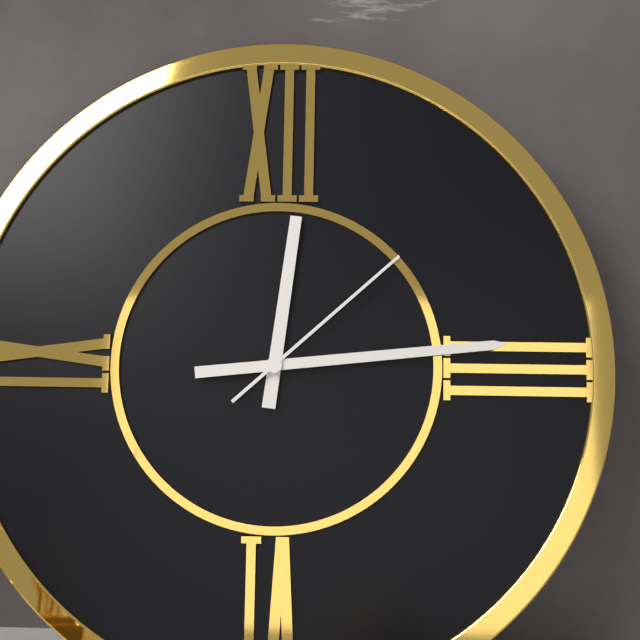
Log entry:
h=12 m=14 s=8
